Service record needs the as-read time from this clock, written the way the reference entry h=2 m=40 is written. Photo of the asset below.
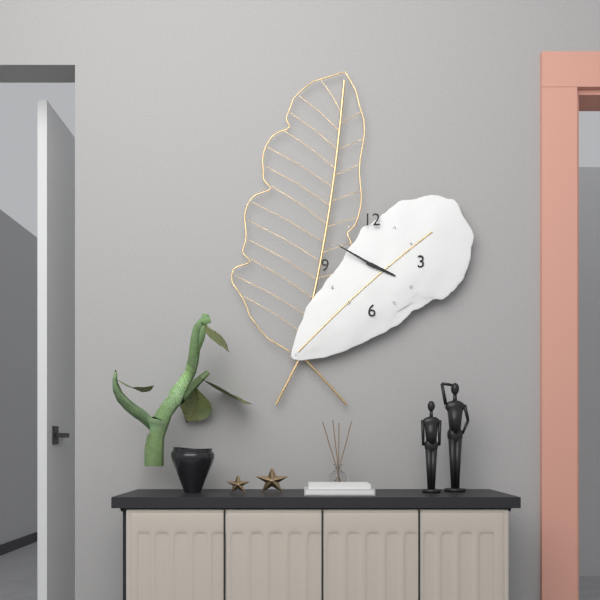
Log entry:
h=3 m=50
